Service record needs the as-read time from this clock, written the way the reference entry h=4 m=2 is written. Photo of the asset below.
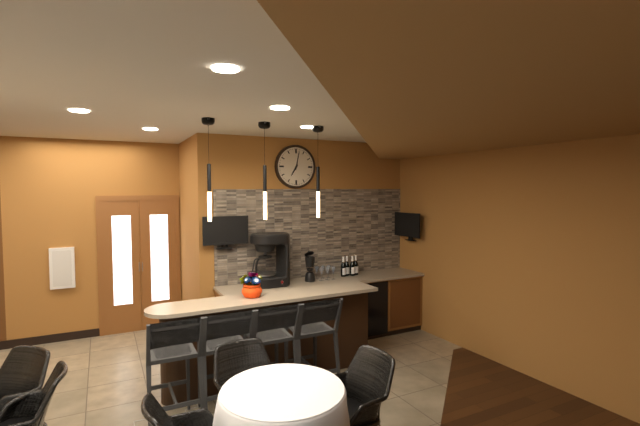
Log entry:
h=7 m=2
